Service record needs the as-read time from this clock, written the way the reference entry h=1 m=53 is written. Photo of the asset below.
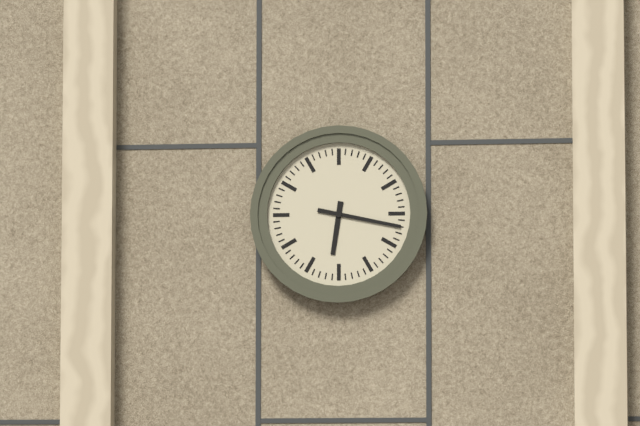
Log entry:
h=6 m=17
